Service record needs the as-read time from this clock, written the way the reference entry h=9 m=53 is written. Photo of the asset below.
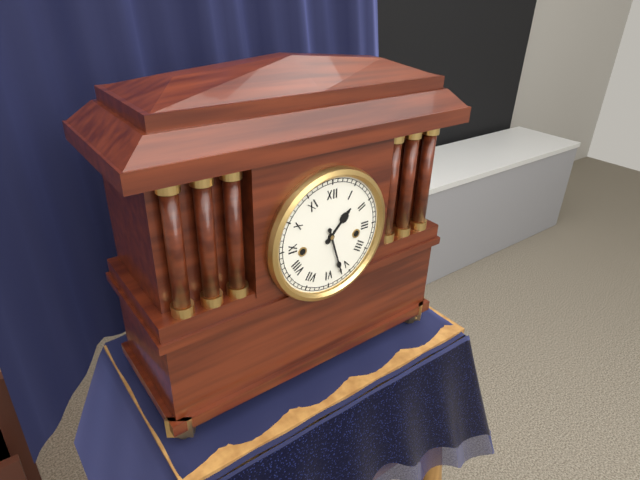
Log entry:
h=1 m=27
